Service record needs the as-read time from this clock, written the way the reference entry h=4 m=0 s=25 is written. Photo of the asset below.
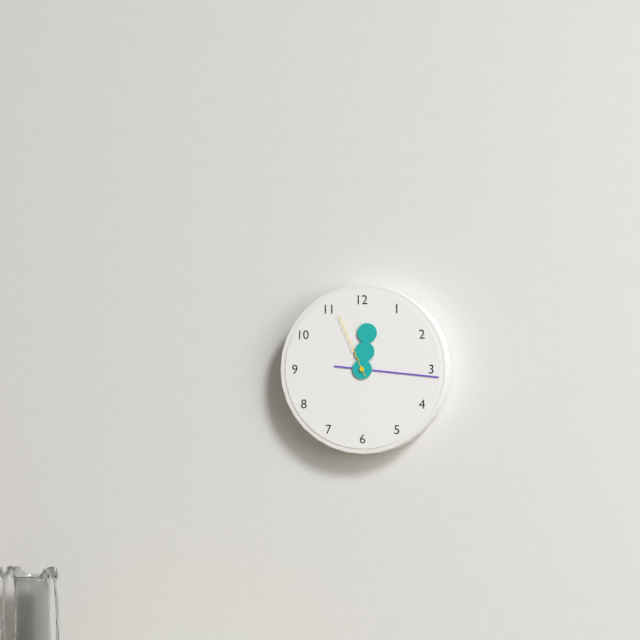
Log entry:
h=12 m=16 s=56
